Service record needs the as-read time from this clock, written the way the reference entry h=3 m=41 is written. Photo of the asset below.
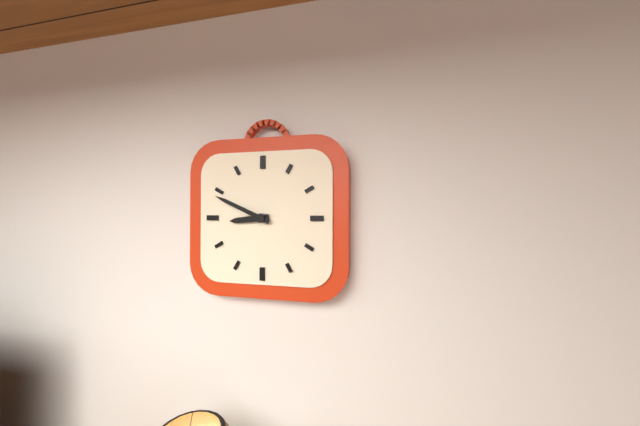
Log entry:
h=8 m=49
